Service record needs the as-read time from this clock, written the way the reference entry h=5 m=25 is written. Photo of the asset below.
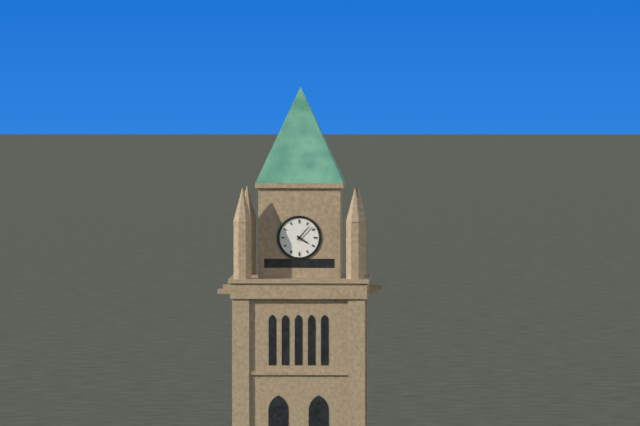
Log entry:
h=4 m=7
